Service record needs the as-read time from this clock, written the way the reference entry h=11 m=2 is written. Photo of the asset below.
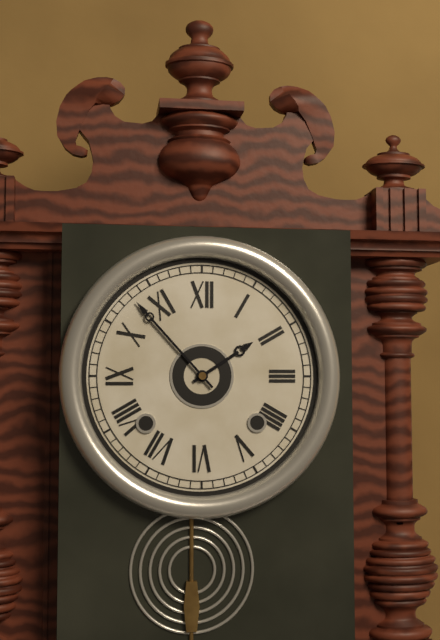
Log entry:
h=1 m=53
